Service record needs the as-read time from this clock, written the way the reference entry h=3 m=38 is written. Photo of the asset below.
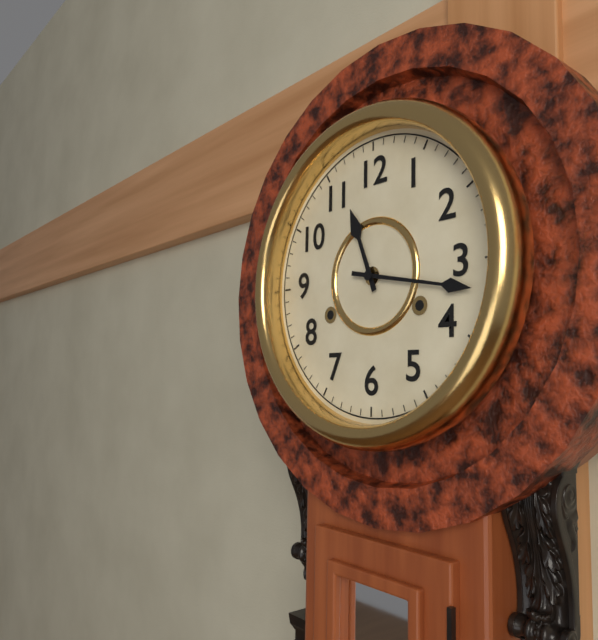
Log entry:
h=11 m=17
